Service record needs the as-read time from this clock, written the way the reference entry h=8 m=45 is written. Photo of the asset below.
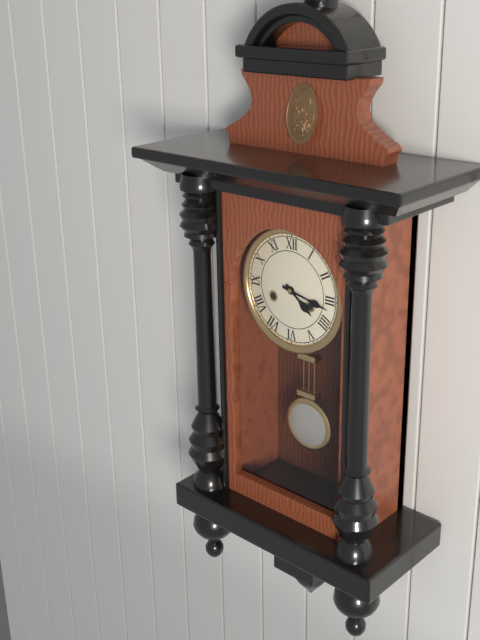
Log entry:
h=4 m=17
